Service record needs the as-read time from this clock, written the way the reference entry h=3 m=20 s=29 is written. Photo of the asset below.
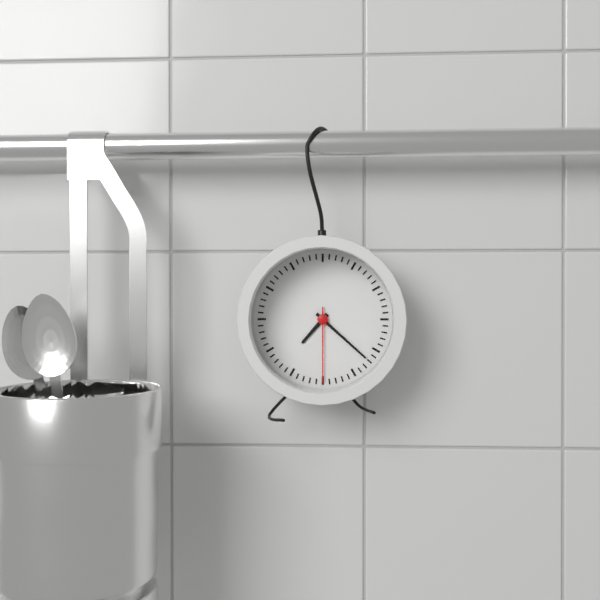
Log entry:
h=7 m=22 s=30
